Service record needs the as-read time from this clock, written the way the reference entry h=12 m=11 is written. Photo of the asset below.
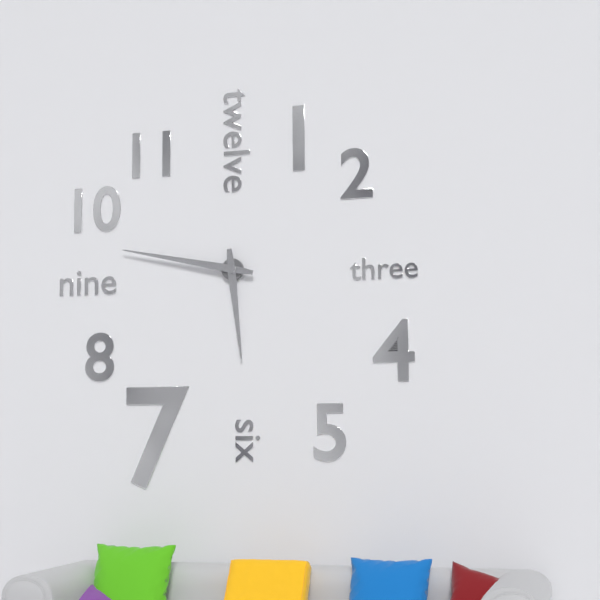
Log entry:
h=5 m=47
